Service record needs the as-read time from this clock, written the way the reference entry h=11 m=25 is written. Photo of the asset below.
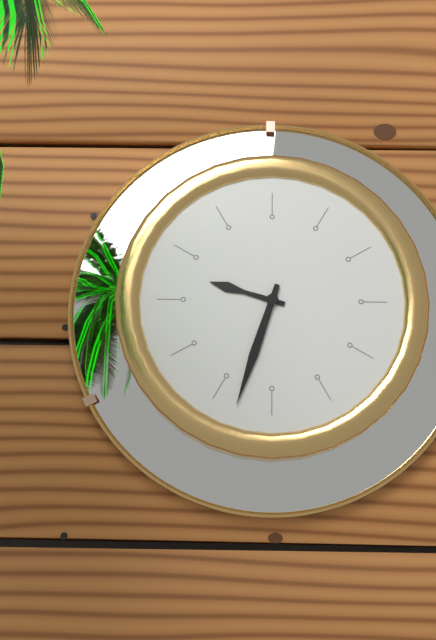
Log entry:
h=9 m=33
